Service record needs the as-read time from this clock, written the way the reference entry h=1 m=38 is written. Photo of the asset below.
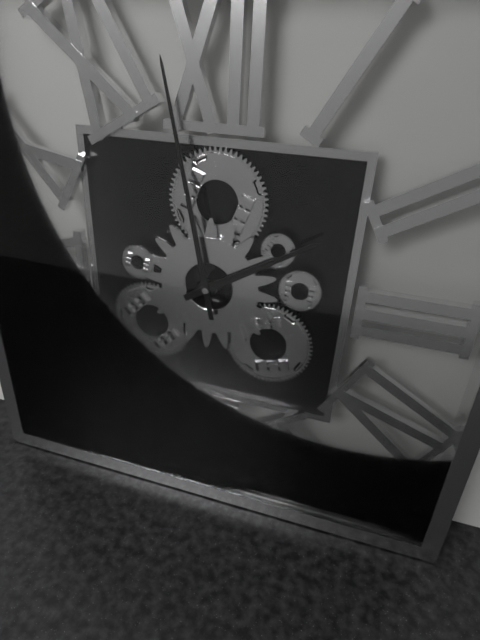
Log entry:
h=1 m=58
